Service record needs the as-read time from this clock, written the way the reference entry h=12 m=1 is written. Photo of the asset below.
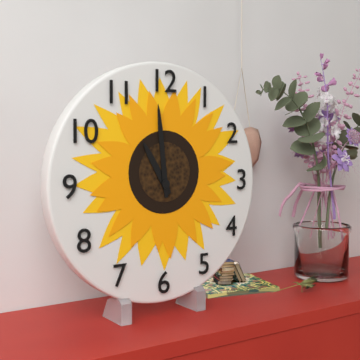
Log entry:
h=10 m=59
